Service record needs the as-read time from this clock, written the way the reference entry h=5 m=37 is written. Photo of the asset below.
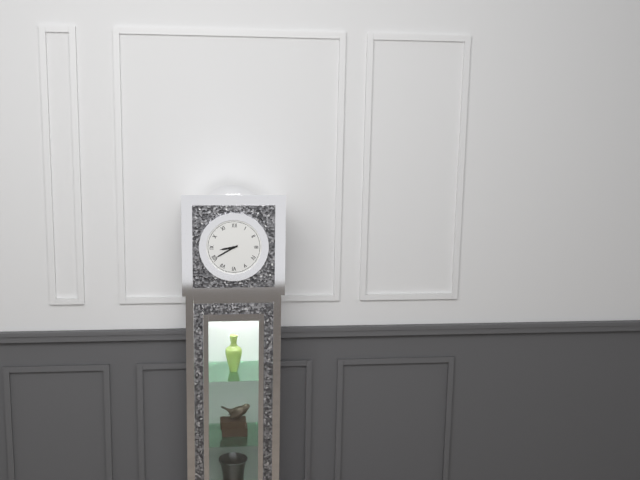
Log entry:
h=8 m=40
